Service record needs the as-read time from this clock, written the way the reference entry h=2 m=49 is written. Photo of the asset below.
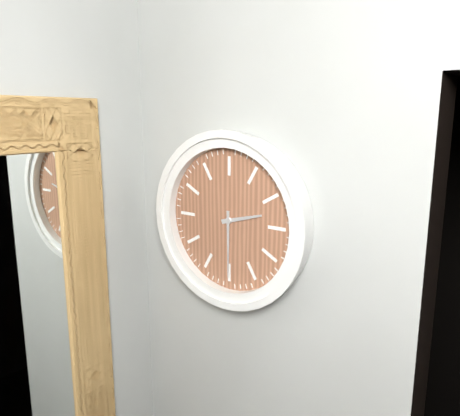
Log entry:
h=2 m=30
